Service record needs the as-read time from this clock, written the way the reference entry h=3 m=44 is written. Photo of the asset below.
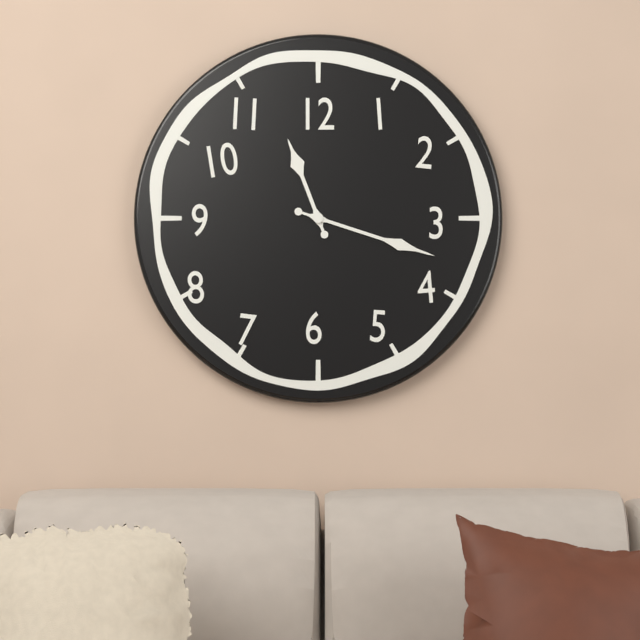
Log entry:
h=11 m=18
